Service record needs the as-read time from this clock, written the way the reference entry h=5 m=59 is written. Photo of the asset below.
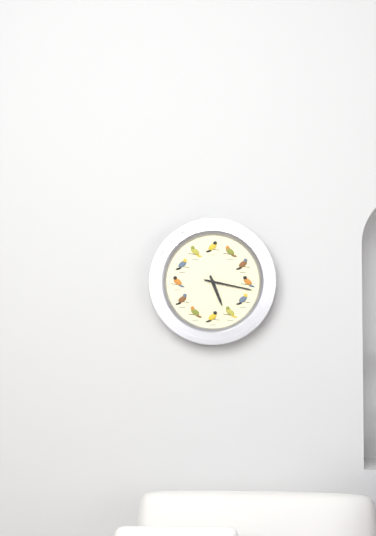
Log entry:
h=5 m=17
